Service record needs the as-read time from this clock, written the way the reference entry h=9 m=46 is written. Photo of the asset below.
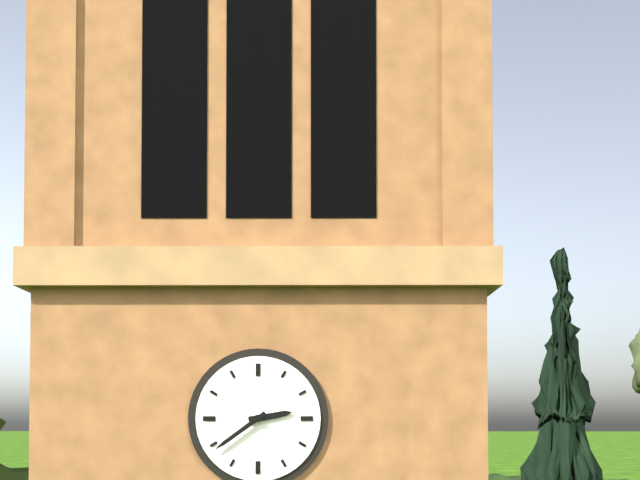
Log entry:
h=2 m=39
